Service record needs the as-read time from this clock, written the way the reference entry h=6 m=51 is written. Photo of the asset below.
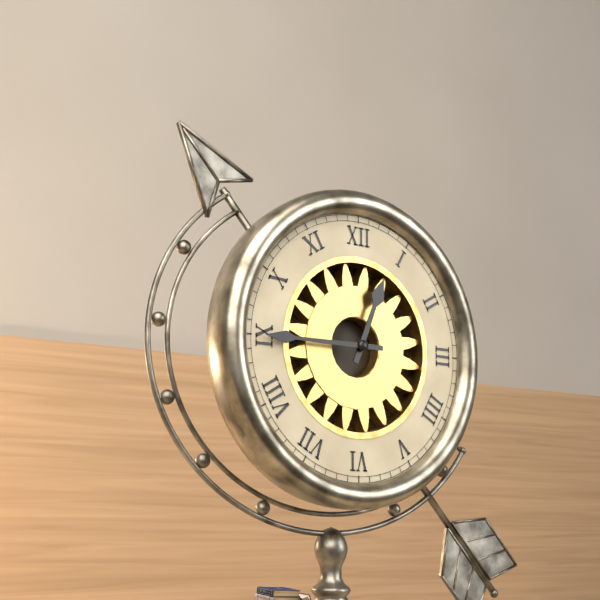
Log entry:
h=12 m=45
